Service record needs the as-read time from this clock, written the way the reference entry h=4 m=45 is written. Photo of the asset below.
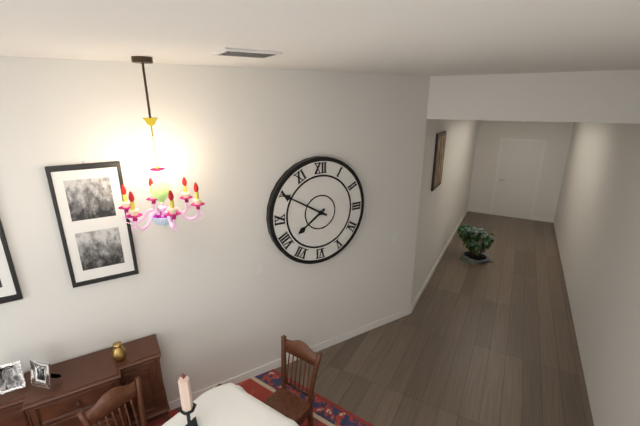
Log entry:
h=7 m=50
